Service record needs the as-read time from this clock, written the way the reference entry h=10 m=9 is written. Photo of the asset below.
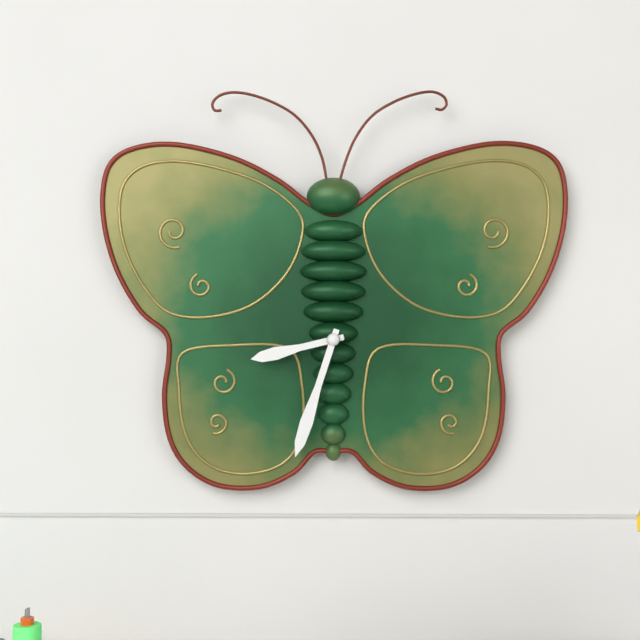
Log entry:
h=8 m=33
